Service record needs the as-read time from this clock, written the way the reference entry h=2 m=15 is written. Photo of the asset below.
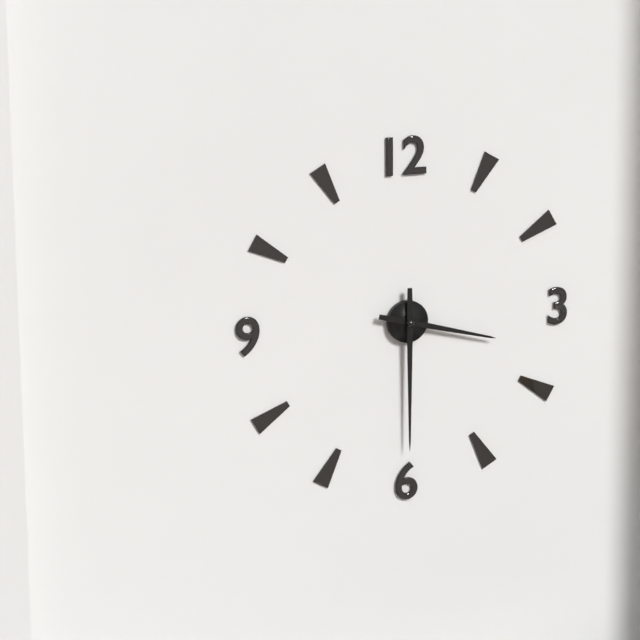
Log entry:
h=3 m=30
